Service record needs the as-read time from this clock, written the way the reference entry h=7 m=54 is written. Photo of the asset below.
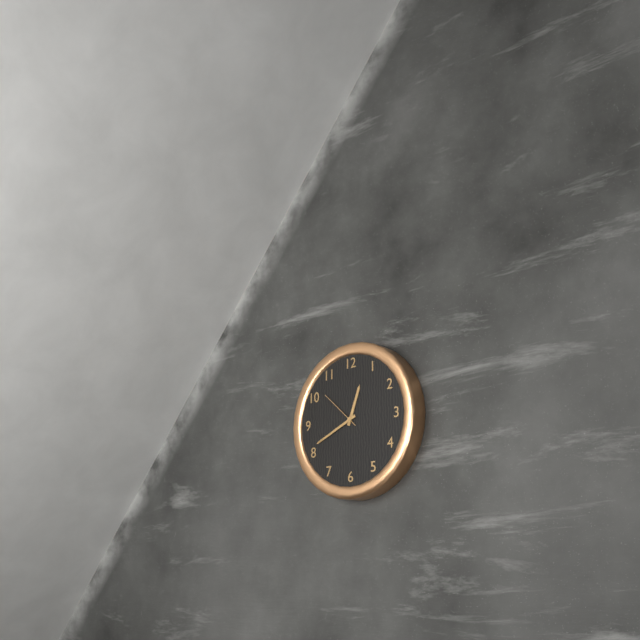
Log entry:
h=12 m=41
